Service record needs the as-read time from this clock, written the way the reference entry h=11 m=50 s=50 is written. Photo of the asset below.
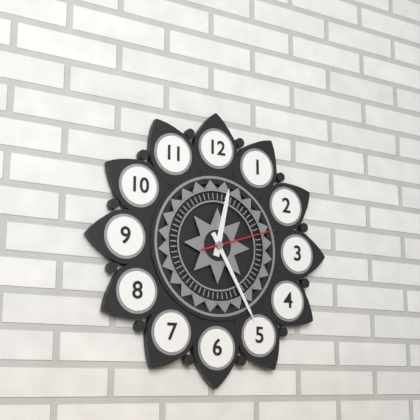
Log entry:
h=12 m=25 s=12
